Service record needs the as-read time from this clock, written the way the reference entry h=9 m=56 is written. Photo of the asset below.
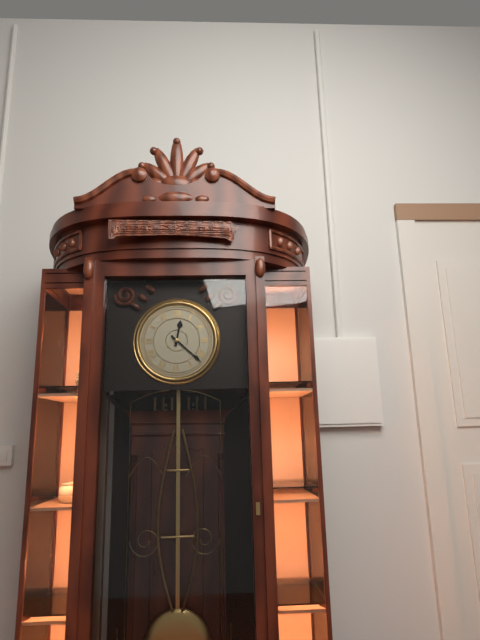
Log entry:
h=12 m=22
